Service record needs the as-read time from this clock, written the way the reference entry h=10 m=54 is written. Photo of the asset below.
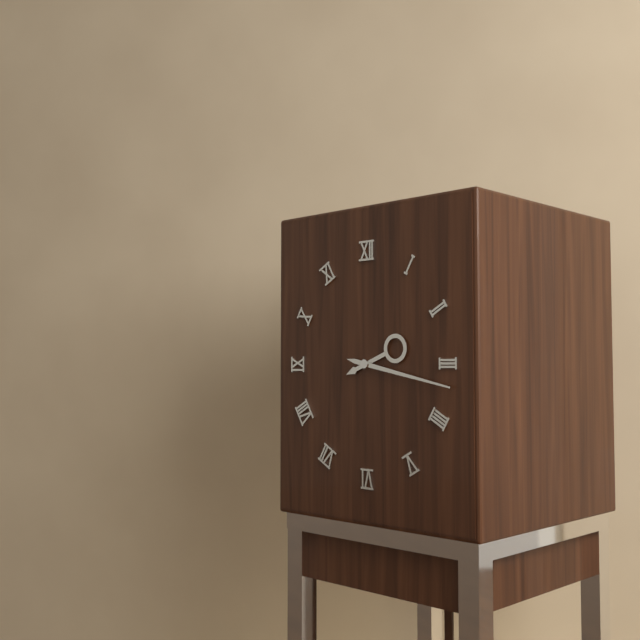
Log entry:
h=2 m=17
